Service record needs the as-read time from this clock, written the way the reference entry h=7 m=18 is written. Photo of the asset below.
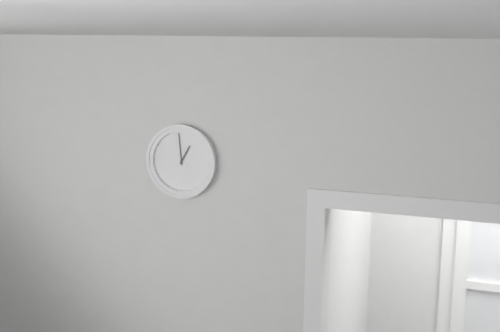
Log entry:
h=12 m=59
